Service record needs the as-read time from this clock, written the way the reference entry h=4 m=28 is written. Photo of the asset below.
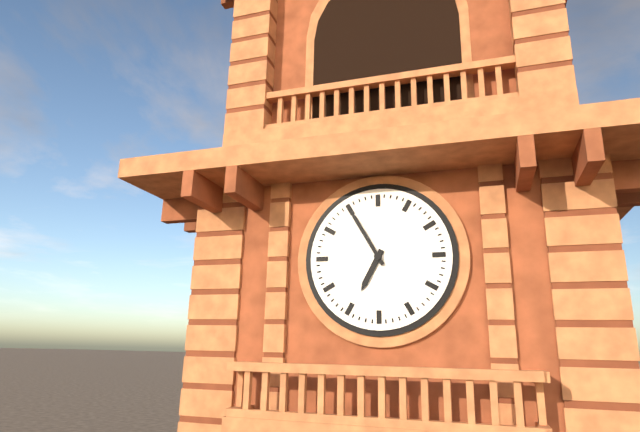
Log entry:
h=6 m=55
